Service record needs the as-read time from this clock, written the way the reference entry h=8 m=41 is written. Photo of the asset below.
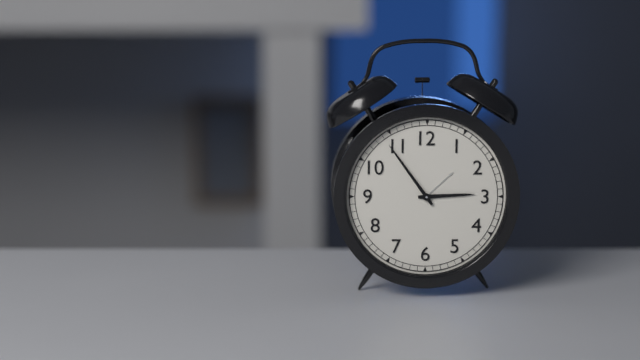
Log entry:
h=2 m=54
